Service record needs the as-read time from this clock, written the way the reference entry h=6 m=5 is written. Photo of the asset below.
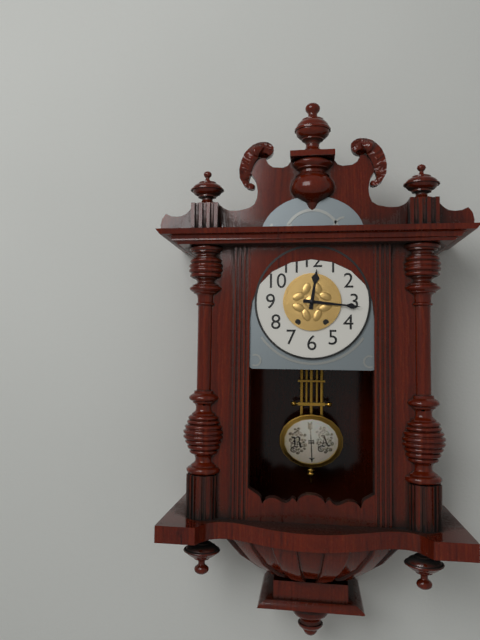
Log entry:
h=12 m=16
